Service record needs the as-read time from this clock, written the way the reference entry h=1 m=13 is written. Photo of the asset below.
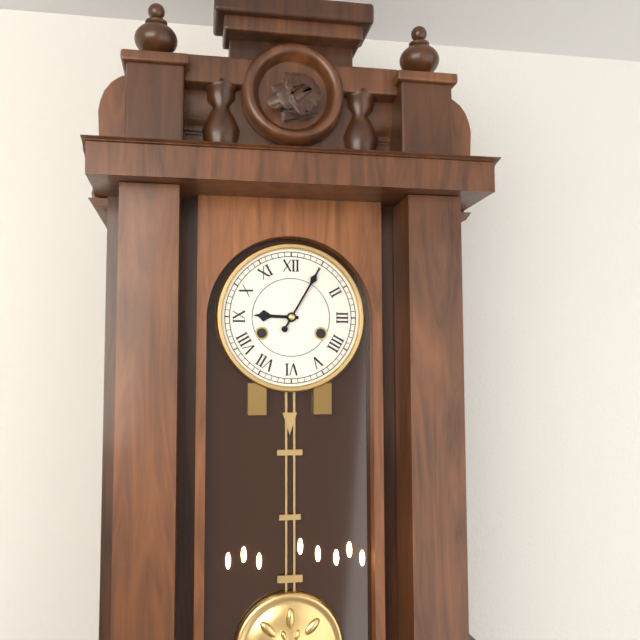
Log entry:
h=9 m=5
